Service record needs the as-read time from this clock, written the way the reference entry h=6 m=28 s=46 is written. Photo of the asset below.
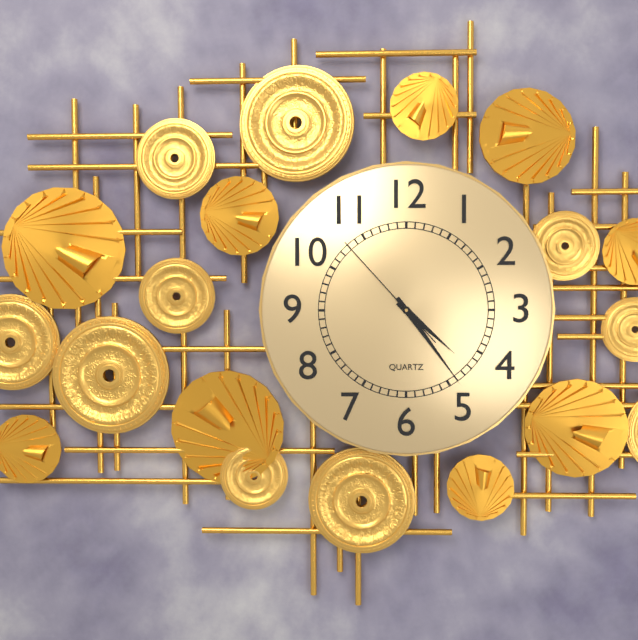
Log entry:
h=4 m=24 s=53
